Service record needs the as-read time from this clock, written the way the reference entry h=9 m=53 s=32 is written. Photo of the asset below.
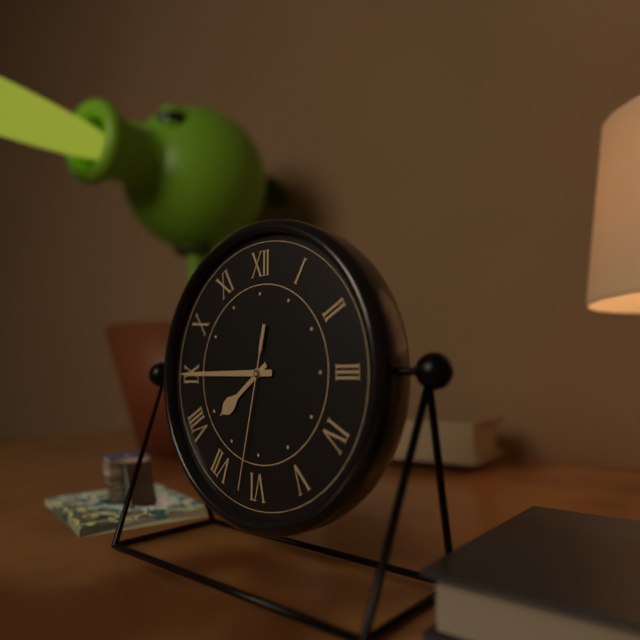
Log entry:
h=7 m=45 s=32
